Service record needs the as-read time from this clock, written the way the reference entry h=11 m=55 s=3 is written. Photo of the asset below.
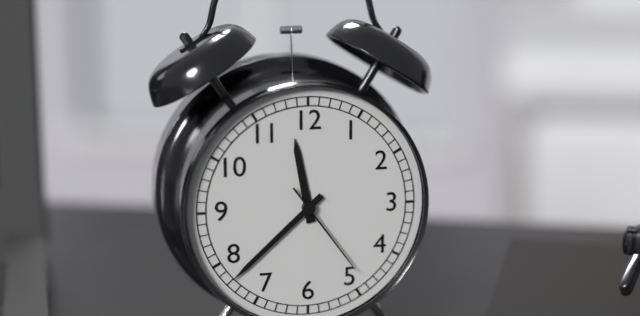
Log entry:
h=11 m=38 s=24
